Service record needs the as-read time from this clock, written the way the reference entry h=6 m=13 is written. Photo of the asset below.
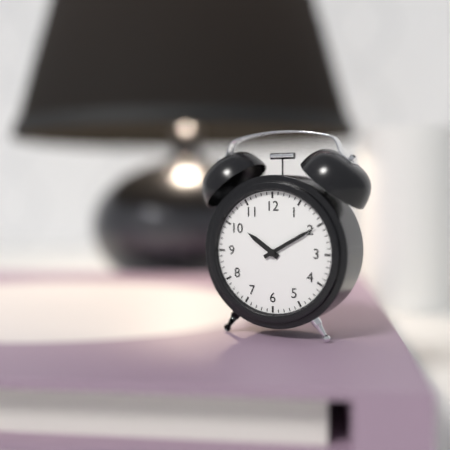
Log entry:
h=10 m=10
